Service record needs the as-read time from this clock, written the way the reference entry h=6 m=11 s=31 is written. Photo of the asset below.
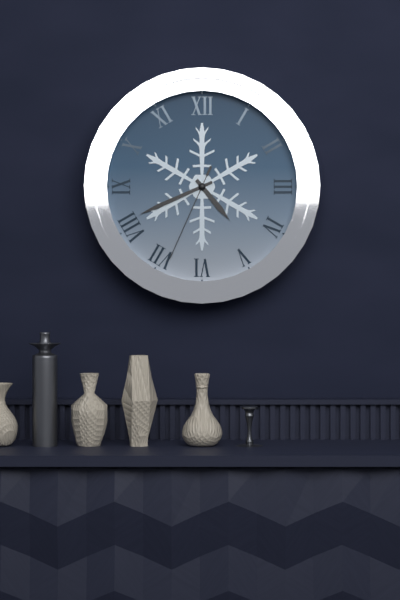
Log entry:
h=4 m=41 s=34
